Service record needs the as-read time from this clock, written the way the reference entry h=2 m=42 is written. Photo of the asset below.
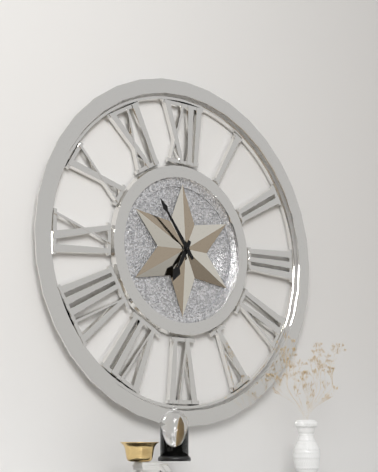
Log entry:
h=6 m=54
